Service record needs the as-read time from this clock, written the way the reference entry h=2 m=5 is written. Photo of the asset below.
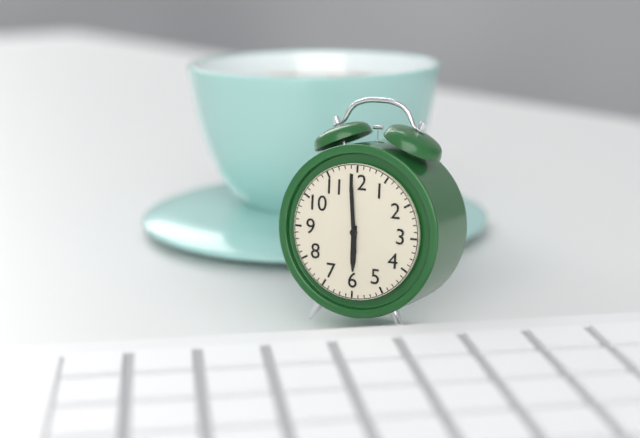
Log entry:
h=5 m=59
